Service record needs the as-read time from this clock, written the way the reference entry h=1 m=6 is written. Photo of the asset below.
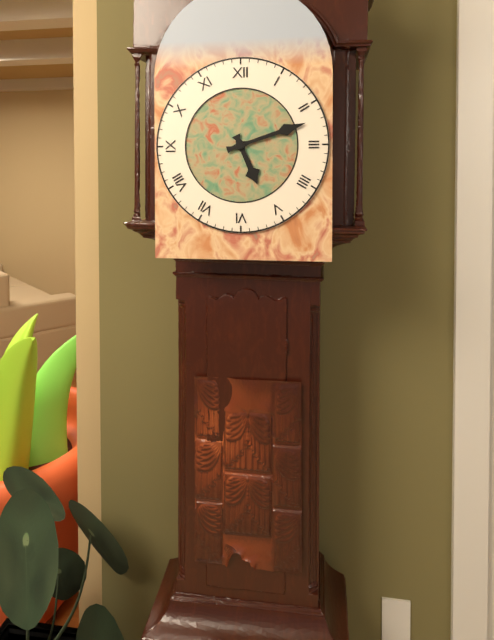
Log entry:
h=5 m=12
